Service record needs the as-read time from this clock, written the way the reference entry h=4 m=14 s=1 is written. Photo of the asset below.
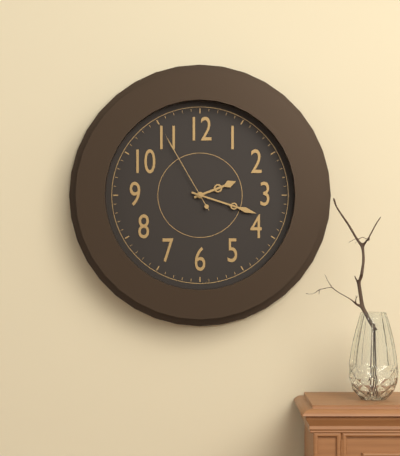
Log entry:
h=2 m=18 s=55
